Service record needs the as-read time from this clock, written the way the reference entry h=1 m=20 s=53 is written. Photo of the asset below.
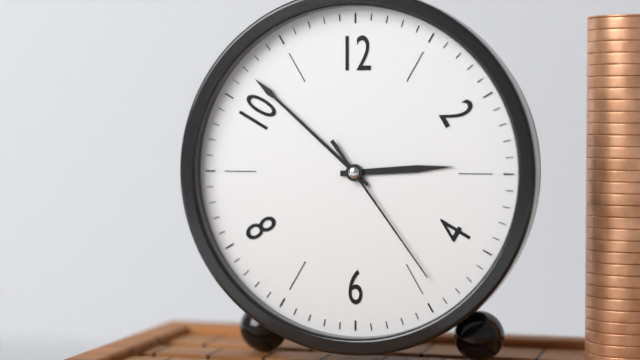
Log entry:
h=2 m=52 s=24
